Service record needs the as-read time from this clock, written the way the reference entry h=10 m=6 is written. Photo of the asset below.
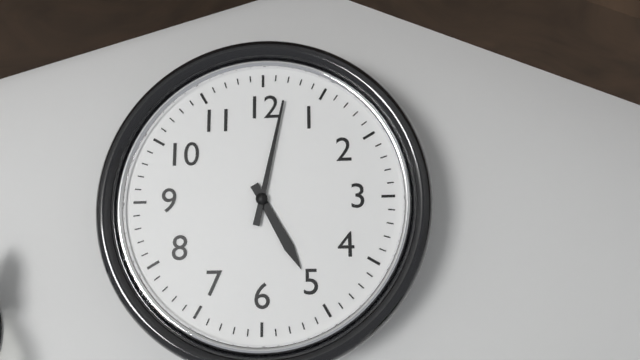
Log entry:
h=5 m=2
